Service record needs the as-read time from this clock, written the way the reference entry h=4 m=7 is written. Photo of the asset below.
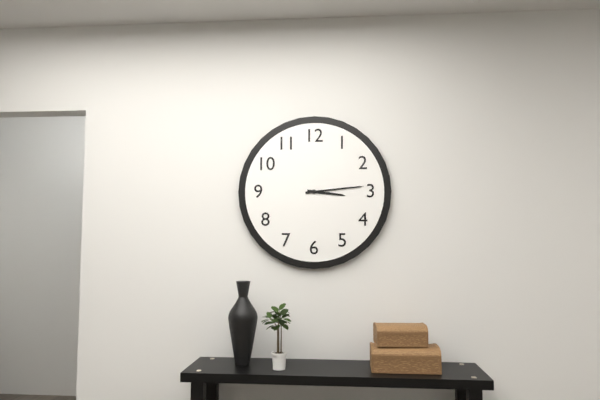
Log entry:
h=3 m=14
